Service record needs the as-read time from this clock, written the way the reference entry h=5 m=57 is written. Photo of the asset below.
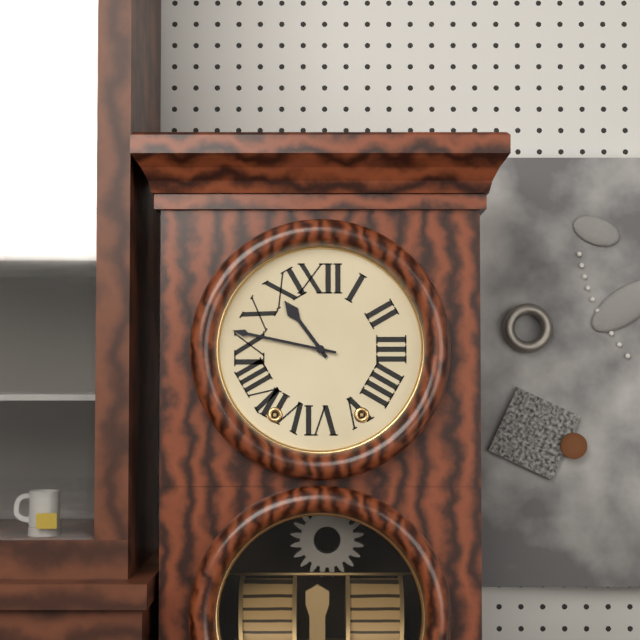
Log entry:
h=10 m=47
